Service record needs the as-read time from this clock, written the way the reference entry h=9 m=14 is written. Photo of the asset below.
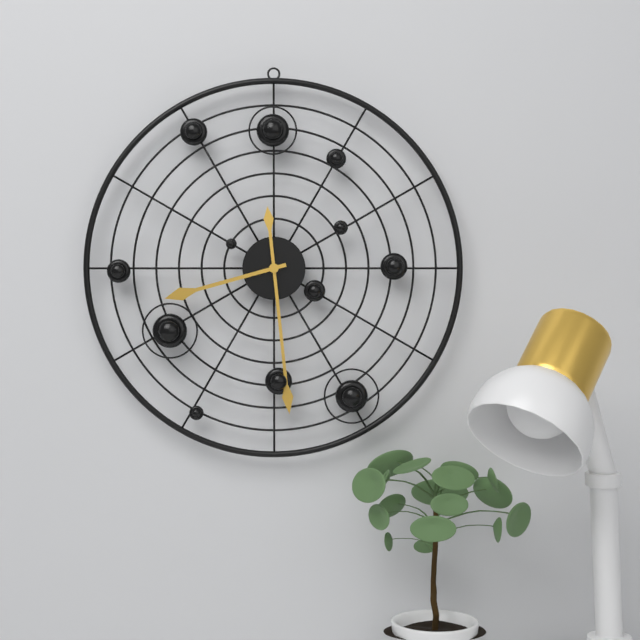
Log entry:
h=8 m=29
